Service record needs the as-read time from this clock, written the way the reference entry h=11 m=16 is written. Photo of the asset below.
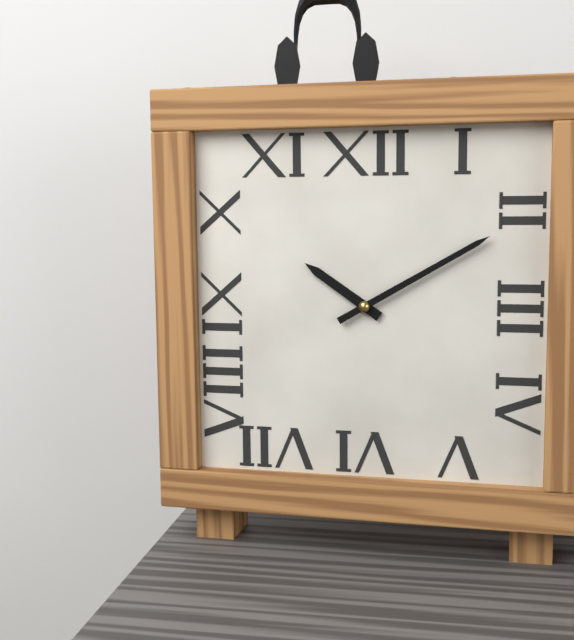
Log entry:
h=10 m=10
